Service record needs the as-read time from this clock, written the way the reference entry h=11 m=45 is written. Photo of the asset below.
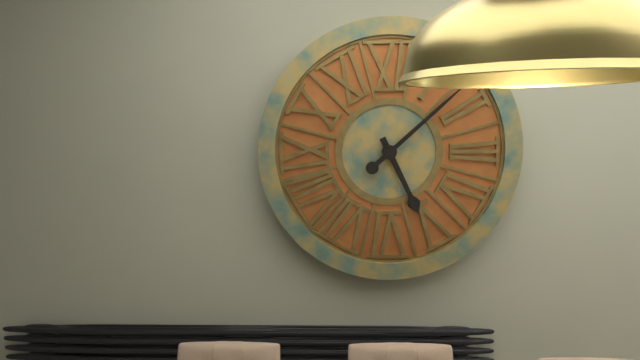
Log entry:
h=5 m=8
